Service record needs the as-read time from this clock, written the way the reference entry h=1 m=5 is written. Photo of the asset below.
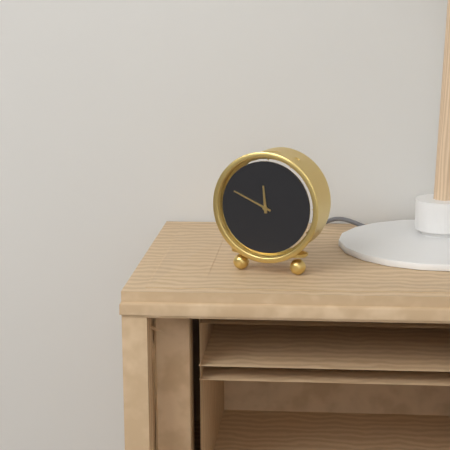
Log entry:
h=11 m=49
